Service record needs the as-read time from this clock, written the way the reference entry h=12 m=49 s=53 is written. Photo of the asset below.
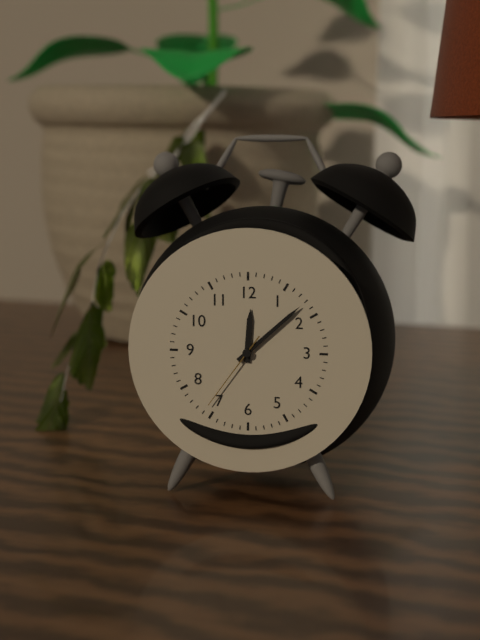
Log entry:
h=12 m=8 s=36
